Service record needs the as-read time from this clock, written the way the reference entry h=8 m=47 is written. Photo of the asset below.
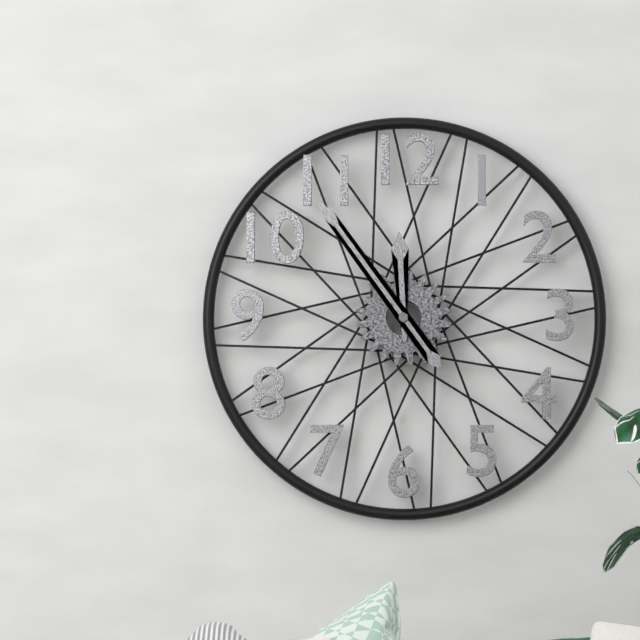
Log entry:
h=11 m=54
